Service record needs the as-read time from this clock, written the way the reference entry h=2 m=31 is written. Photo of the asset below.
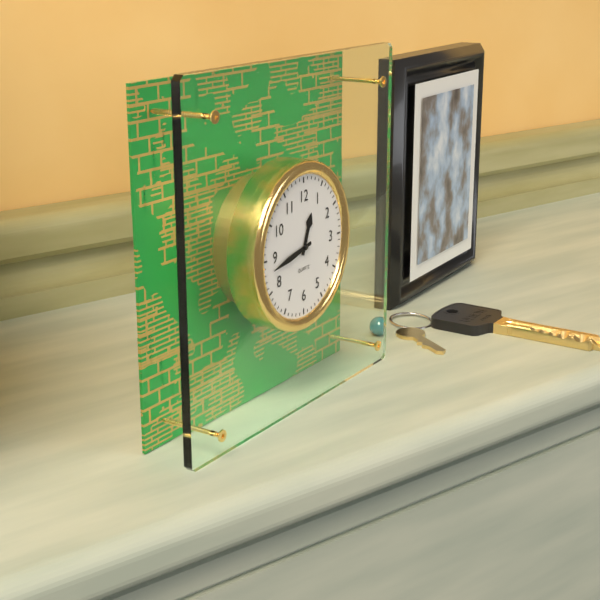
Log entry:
h=12 m=43
